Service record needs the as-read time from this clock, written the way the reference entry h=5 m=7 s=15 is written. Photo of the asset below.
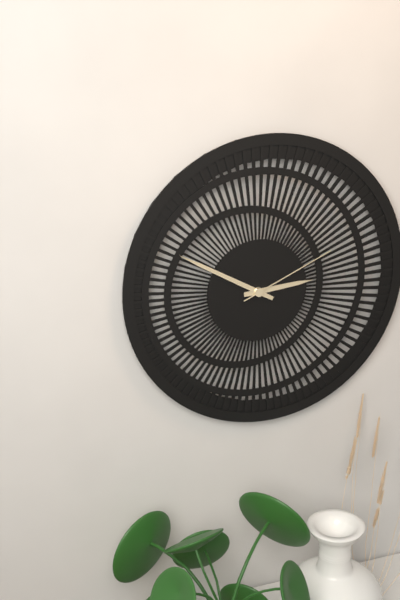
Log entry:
h=2 m=50 s=11
